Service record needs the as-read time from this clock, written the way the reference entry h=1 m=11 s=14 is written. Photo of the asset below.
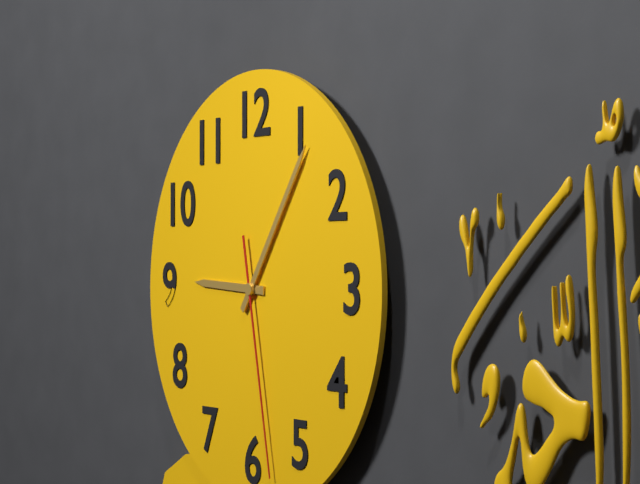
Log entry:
h=9 m=6 s=28
